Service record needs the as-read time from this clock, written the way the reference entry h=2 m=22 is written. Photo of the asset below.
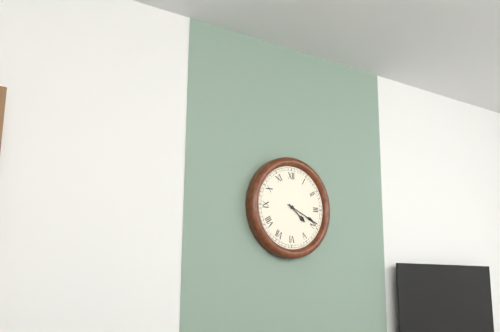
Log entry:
h=4 m=19
